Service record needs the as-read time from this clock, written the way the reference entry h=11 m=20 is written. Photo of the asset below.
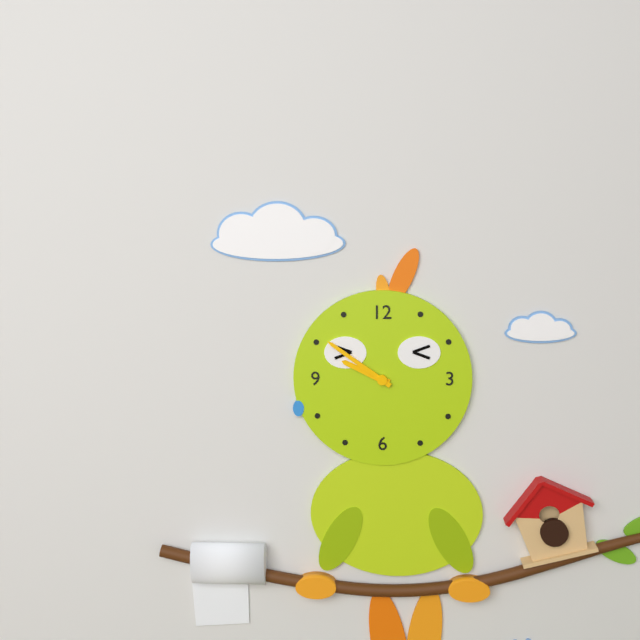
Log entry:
h=9 m=51
